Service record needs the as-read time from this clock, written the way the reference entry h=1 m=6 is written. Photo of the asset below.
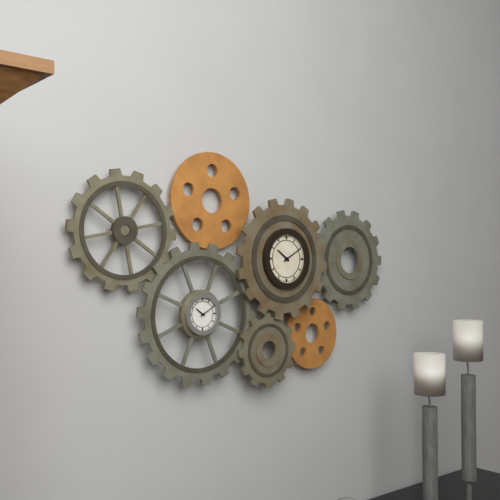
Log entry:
h=10 m=10
